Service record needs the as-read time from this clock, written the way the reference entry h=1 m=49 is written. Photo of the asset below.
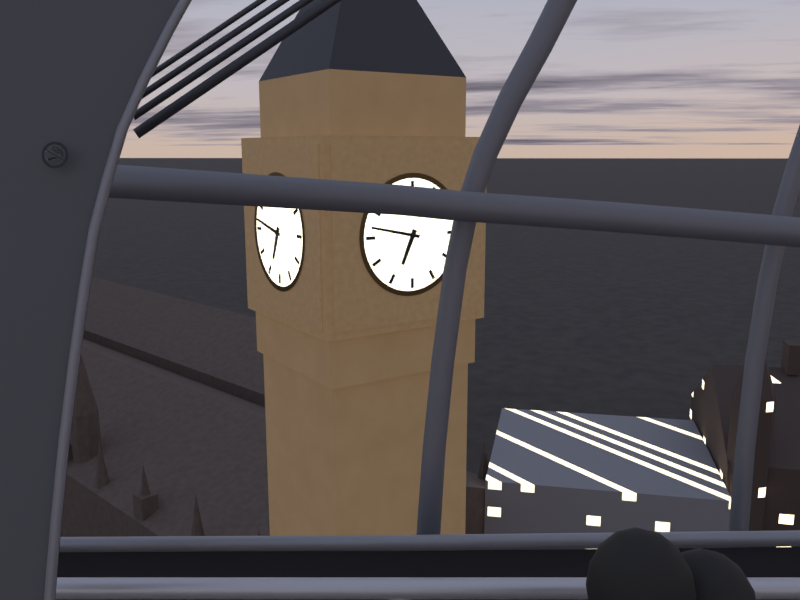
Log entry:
h=6 m=47
